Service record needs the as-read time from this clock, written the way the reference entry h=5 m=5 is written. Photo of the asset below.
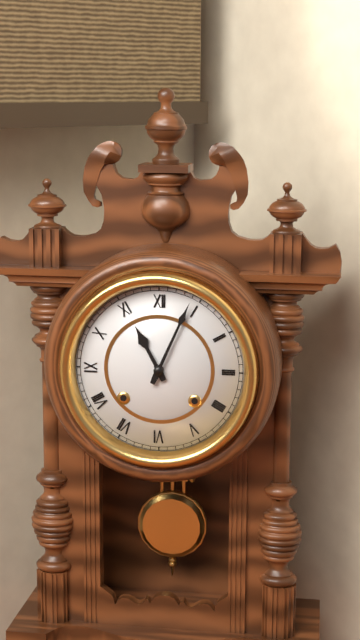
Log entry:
h=11 m=4
